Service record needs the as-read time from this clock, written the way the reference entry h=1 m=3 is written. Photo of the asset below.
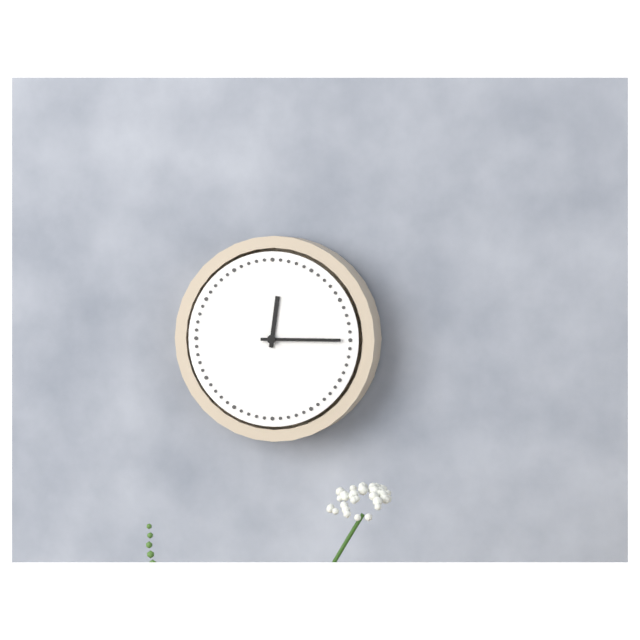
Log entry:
h=12 m=15
